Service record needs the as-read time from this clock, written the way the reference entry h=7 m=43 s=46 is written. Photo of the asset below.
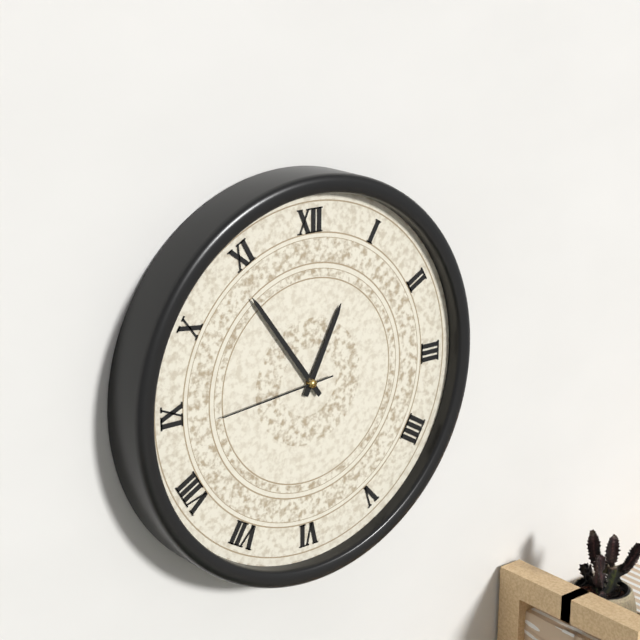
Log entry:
h=12 m=54 s=44
